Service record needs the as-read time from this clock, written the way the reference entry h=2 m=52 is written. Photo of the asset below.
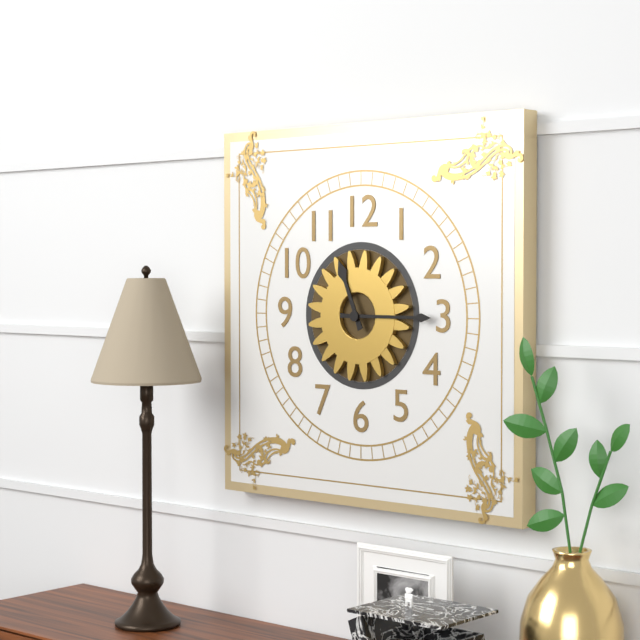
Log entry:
h=11 m=15
